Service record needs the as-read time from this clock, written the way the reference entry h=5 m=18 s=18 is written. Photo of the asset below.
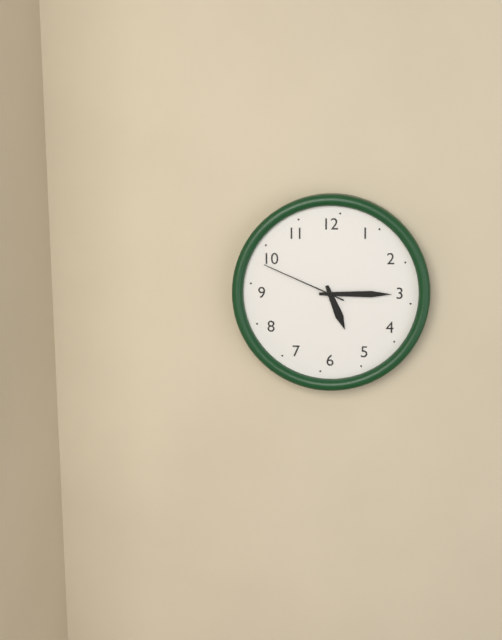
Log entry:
h=5 m=15 s=49
